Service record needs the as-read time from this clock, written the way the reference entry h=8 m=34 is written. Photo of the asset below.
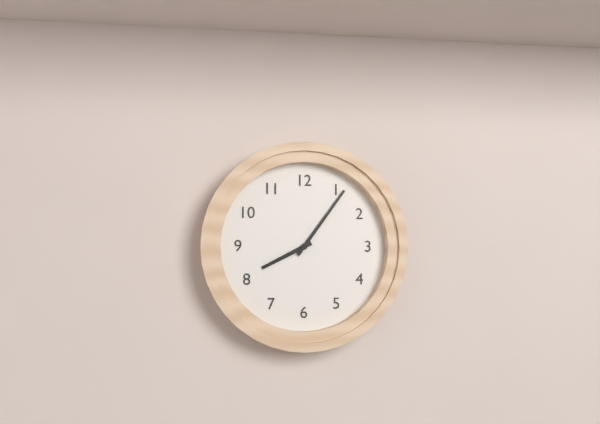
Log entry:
h=8 m=6
